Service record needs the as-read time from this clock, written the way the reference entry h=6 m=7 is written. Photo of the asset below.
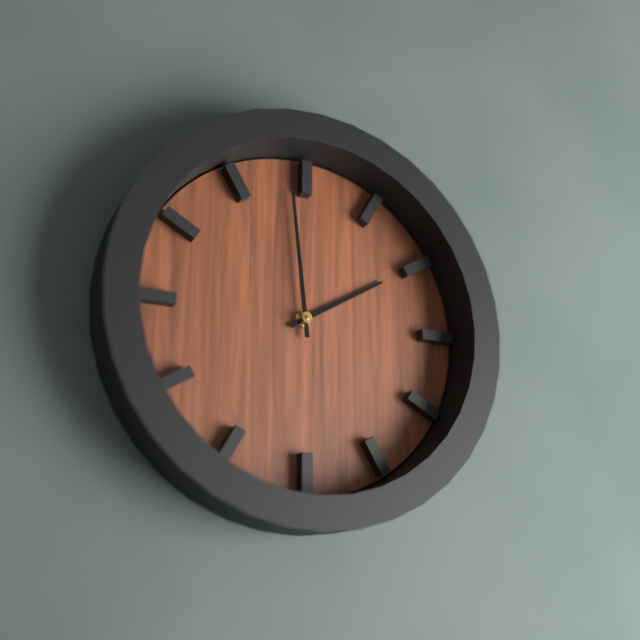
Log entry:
h=1 m=59
